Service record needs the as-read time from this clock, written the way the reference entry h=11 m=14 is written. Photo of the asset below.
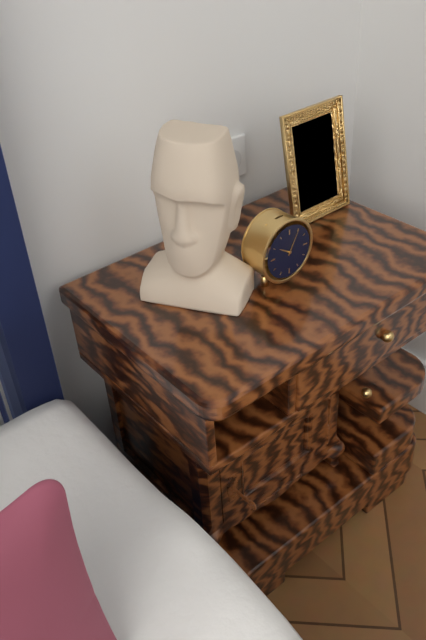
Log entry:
h=10 m=5
